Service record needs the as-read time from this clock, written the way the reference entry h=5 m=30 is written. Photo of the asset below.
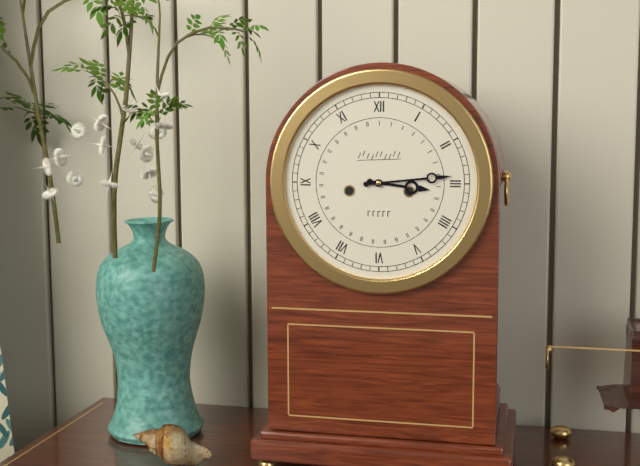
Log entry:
h=3 m=14
